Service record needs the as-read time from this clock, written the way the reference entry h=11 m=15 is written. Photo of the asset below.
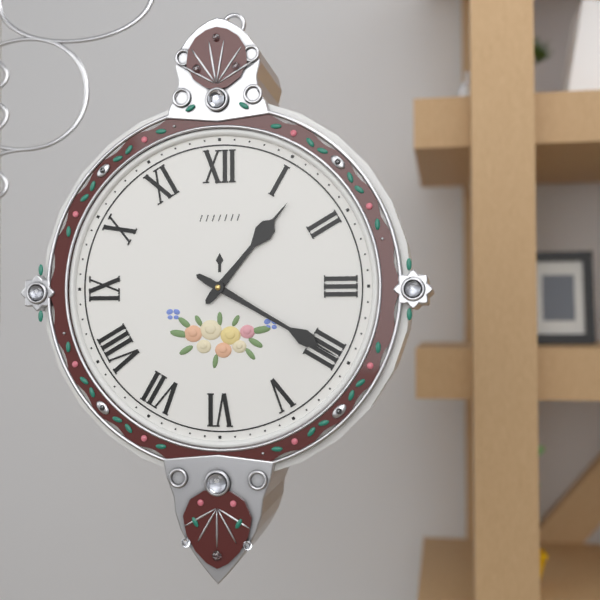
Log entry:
h=1 m=20
